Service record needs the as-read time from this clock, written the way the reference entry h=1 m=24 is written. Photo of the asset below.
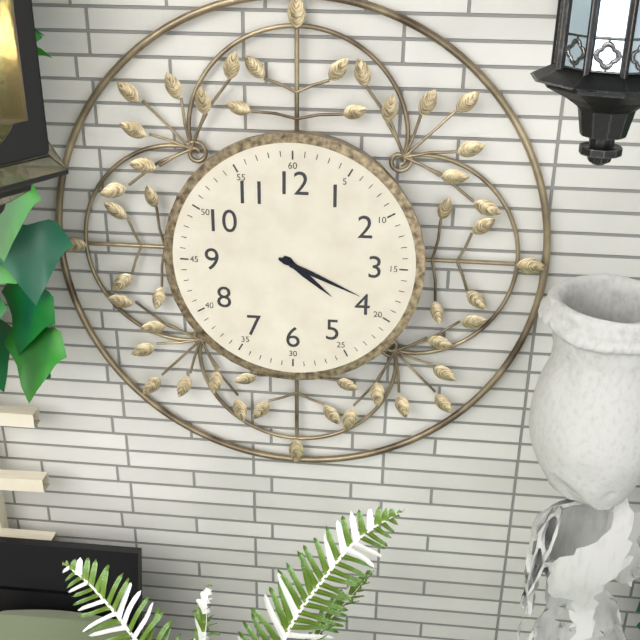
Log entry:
h=4 m=19
